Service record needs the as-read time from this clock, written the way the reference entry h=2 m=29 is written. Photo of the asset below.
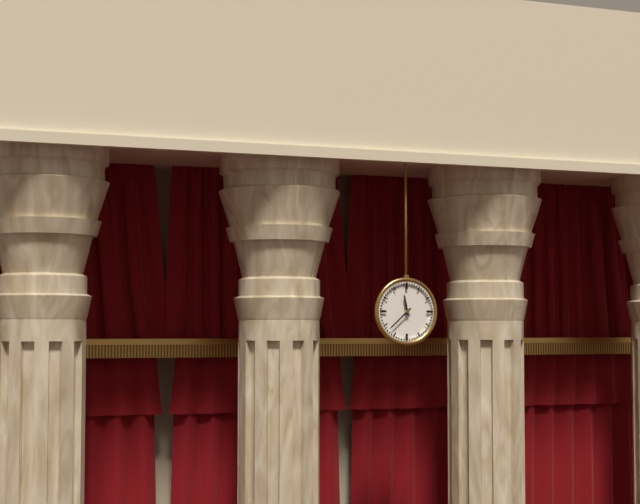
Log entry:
h=11 m=38
